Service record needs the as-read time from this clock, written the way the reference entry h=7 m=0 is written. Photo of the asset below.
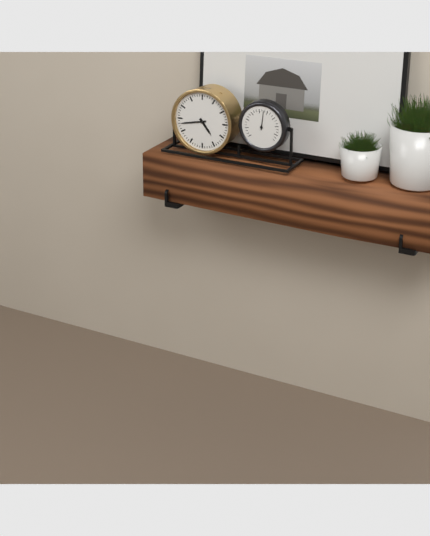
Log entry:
h=4 m=43
